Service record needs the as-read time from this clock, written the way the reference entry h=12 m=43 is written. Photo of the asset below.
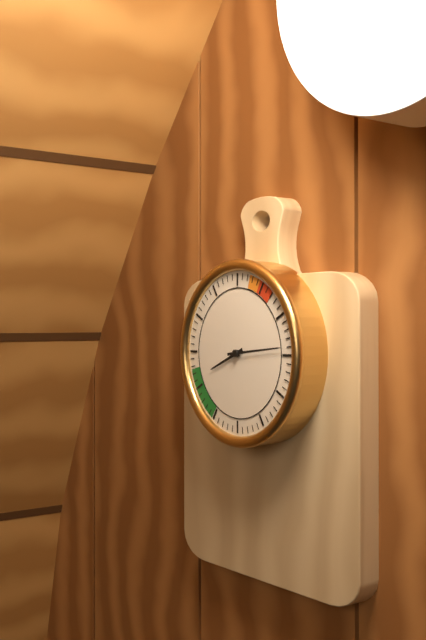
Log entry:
h=8 m=14
